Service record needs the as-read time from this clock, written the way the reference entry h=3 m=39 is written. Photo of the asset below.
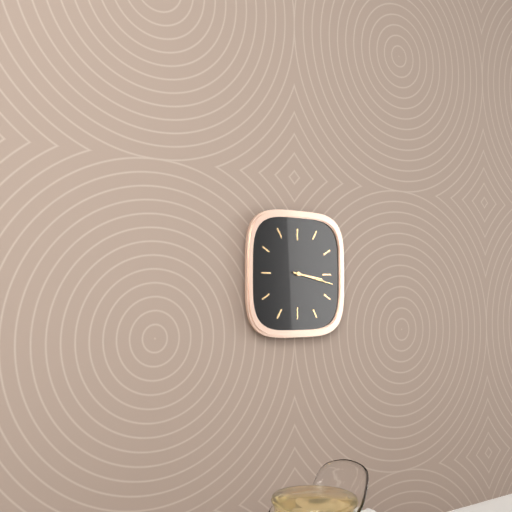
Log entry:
h=3 m=17
